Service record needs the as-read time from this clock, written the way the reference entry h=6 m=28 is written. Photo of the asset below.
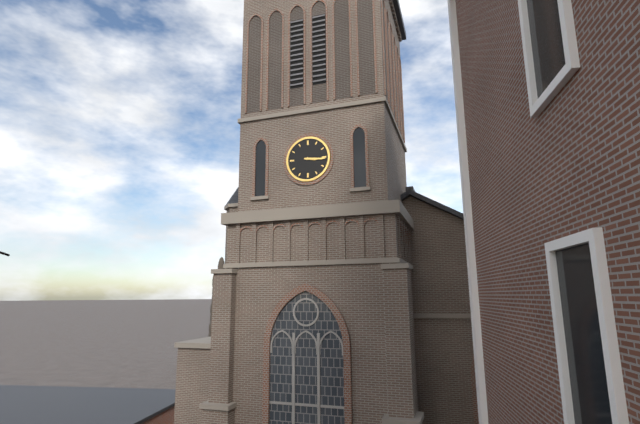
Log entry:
h=3 m=16
